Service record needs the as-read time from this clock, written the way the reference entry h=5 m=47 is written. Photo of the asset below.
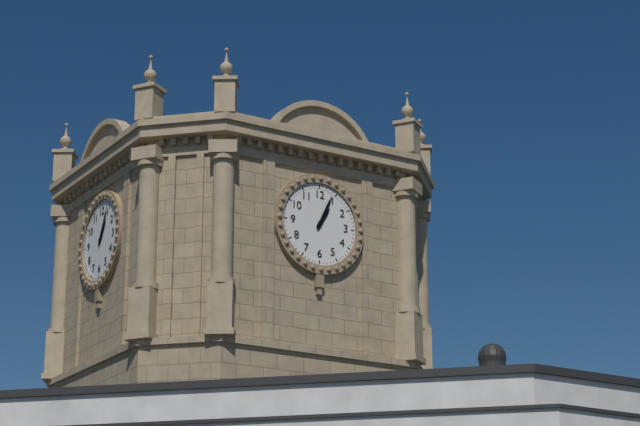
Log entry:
h=1 m=4
